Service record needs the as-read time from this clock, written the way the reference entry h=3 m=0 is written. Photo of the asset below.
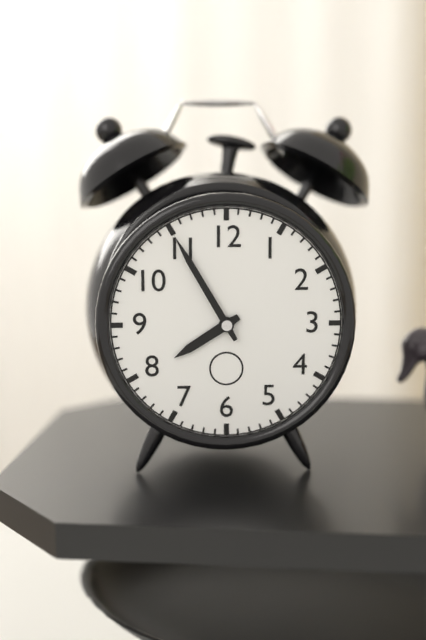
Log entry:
h=7 m=55
